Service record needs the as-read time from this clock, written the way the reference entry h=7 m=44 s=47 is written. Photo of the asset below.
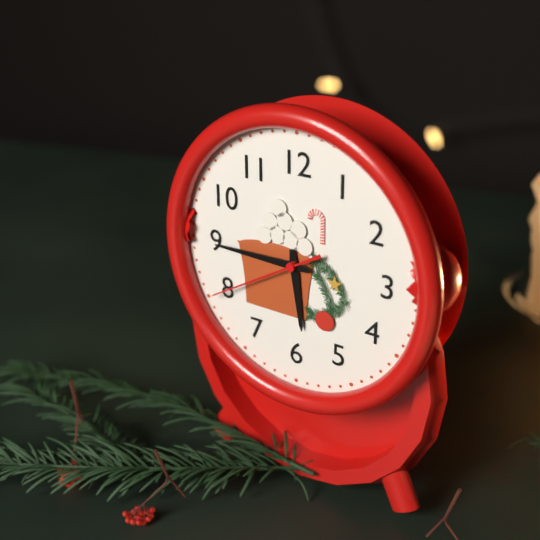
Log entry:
h=5 m=45 s=40
